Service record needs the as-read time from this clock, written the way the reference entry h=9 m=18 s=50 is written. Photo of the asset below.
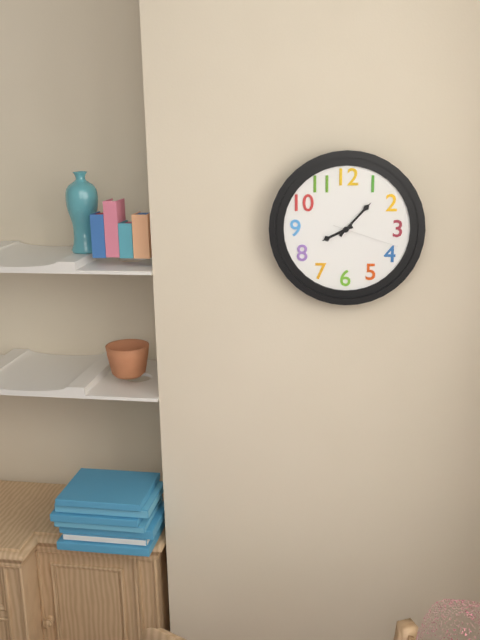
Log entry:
h=8 m=7 s=18
